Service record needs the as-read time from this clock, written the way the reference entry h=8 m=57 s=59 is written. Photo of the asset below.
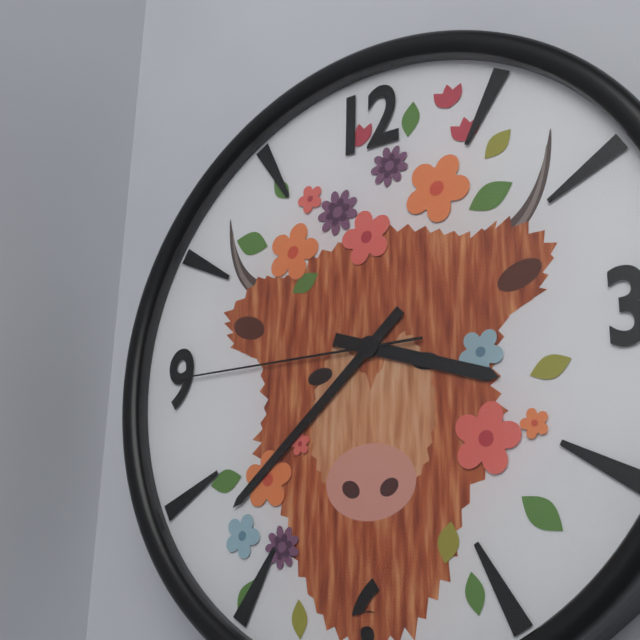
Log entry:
h=3 m=38 s=45
